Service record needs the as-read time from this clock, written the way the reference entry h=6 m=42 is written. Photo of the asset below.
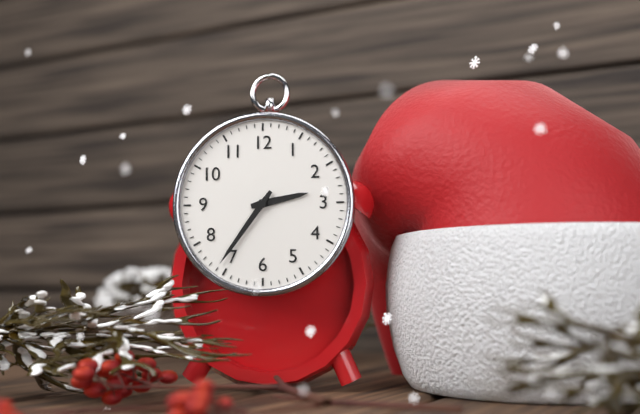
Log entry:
h=2 m=36
